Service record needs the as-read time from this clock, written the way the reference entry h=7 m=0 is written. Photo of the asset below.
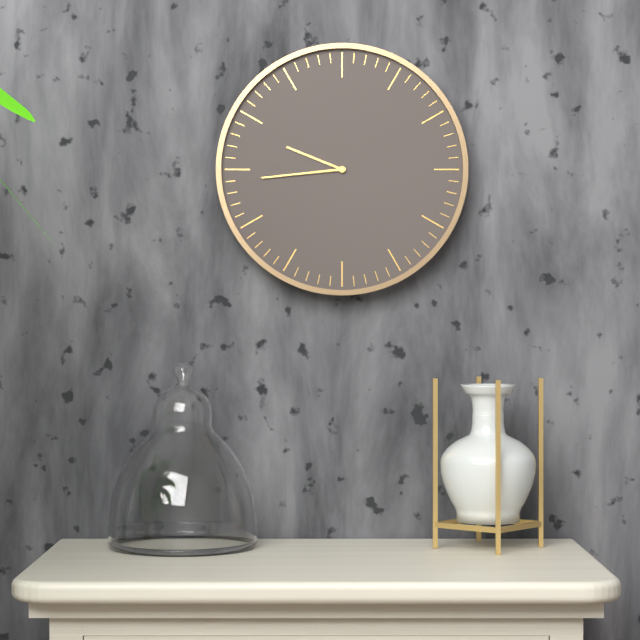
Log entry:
h=9 m=44
